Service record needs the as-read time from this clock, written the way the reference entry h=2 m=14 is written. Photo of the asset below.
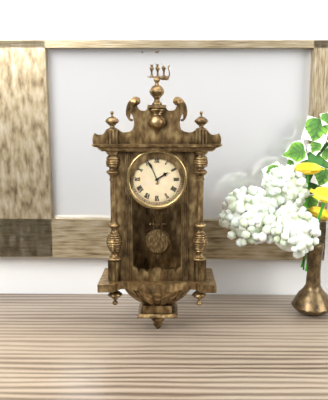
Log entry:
h=1 m=56
